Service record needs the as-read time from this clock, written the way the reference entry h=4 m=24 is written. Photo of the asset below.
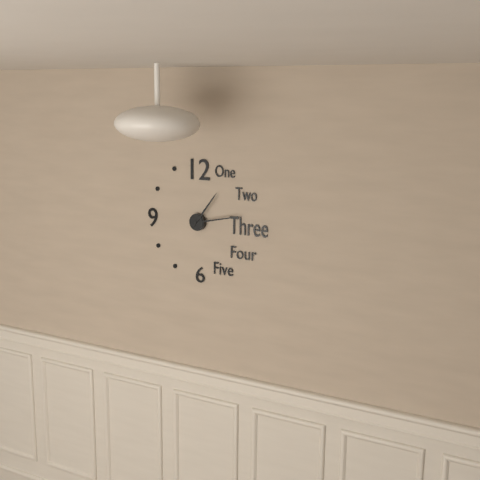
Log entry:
h=1 m=13
